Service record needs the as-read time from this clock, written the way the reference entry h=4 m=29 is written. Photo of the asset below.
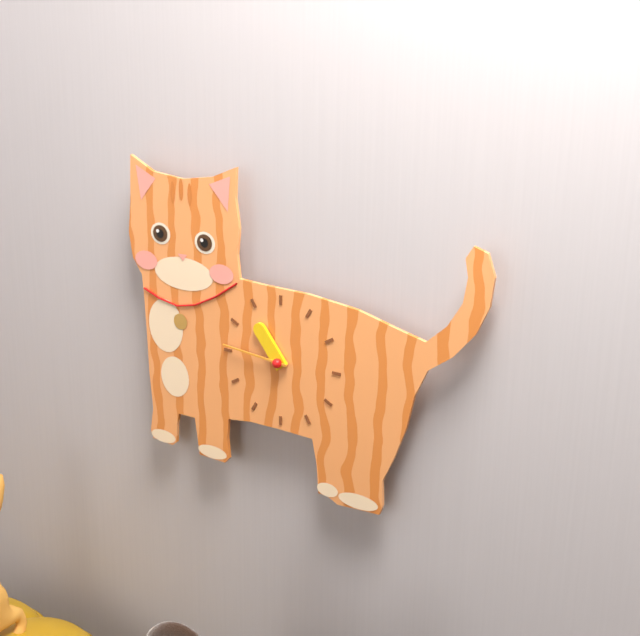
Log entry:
h=10 m=46
